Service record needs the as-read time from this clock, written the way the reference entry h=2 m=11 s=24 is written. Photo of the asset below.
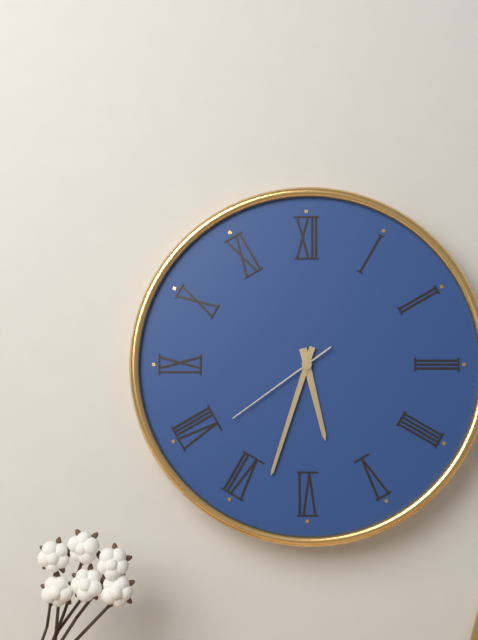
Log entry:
h=5 m=33 s=39
